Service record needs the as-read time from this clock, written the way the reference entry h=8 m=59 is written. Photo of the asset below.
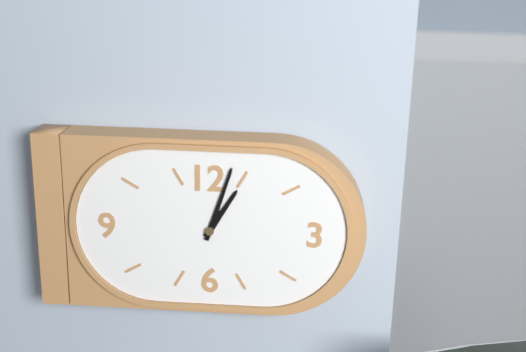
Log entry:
h=1 m=3
